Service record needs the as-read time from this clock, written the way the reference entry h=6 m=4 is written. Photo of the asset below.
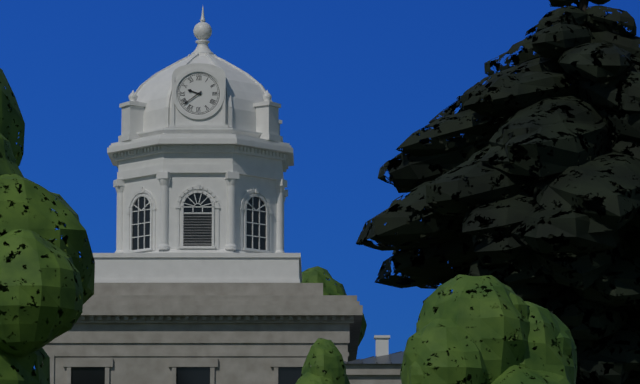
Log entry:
h=9 m=39
